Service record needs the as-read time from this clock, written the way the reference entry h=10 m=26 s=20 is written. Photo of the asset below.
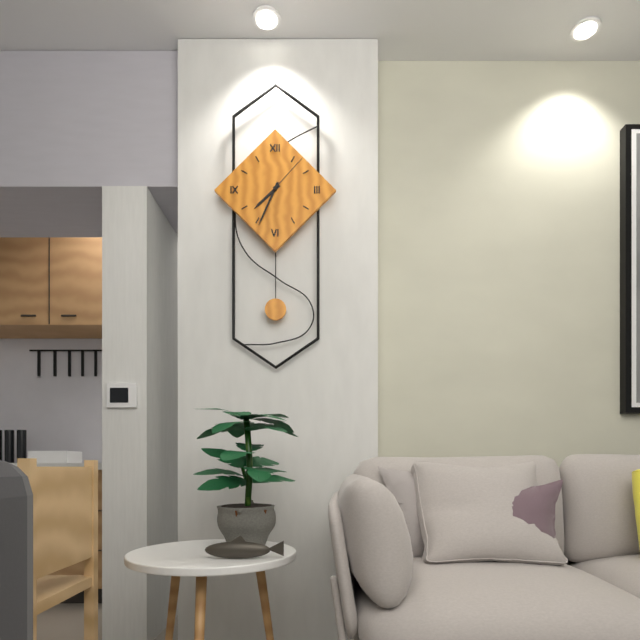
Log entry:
h=7 m=34 s=7
